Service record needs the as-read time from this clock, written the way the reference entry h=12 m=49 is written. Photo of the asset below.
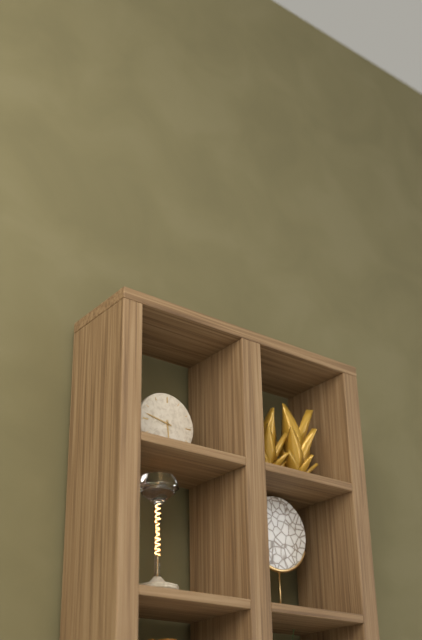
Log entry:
h=5 m=47
